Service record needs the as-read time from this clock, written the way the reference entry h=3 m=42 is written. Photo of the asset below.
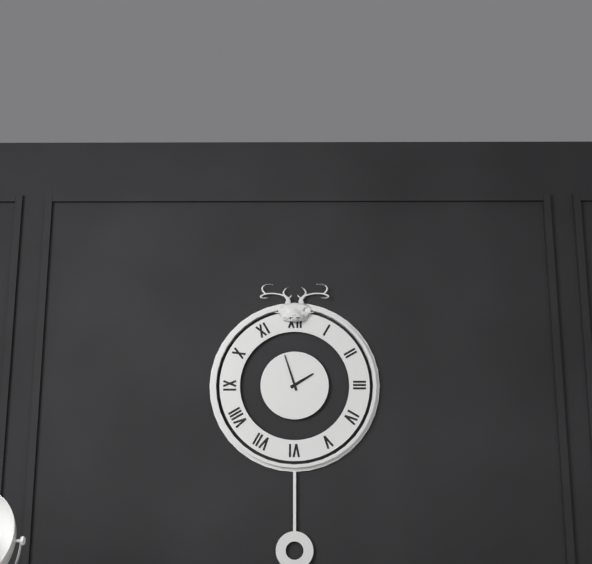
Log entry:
h=1 m=57
